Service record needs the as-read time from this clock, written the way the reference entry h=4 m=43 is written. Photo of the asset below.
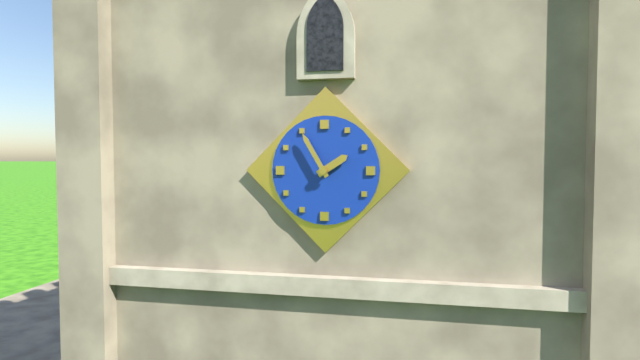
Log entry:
h=1 m=55
